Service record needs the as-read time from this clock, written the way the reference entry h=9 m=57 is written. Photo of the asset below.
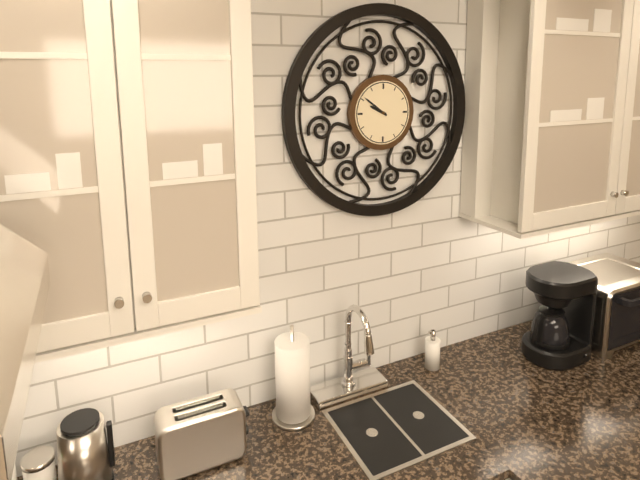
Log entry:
h=9 m=51
